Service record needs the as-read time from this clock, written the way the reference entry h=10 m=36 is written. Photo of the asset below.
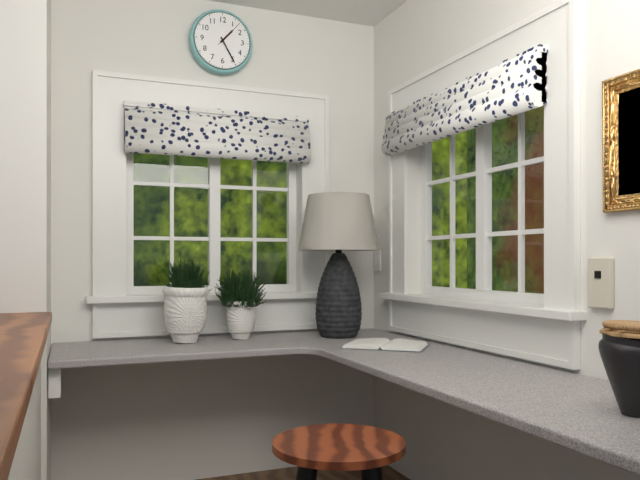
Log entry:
h=1 m=25
